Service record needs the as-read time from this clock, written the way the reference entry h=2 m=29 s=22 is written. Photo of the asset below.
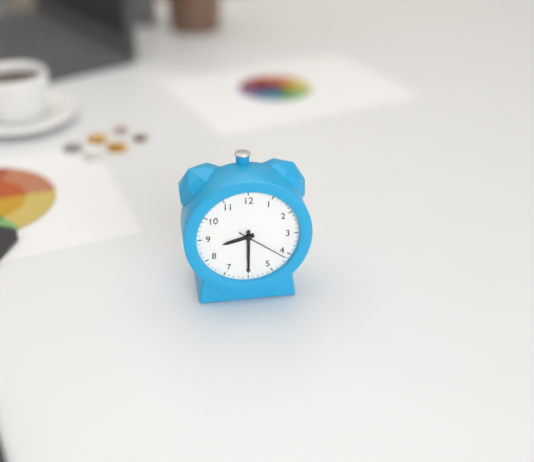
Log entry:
h=8 m=30 s=21
